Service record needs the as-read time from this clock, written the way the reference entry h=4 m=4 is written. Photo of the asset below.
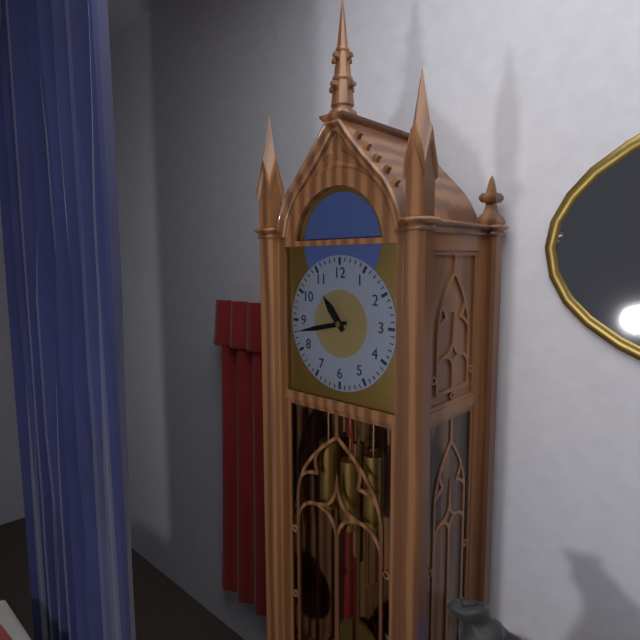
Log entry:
h=10 m=43
